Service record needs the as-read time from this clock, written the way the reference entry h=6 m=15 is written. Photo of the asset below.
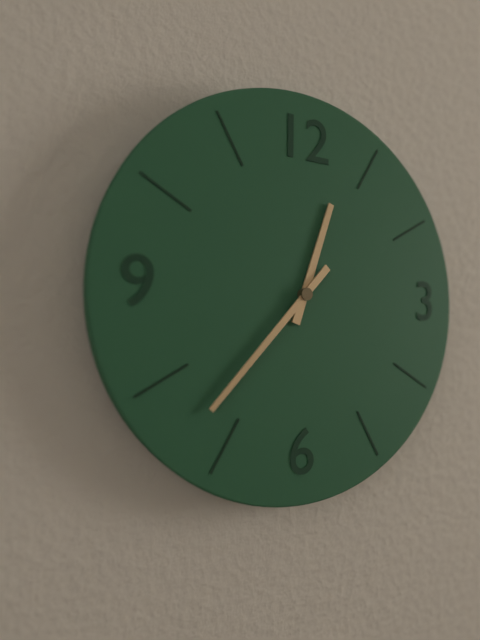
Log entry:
h=12 m=37
